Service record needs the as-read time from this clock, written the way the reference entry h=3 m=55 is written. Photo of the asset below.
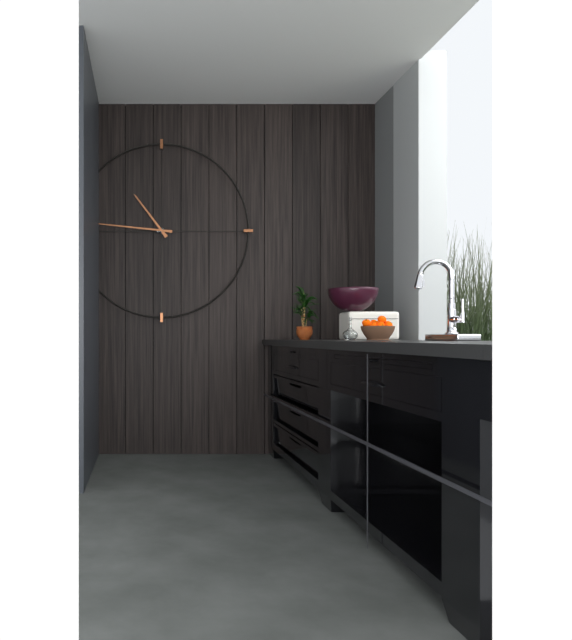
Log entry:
h=10 m=46
